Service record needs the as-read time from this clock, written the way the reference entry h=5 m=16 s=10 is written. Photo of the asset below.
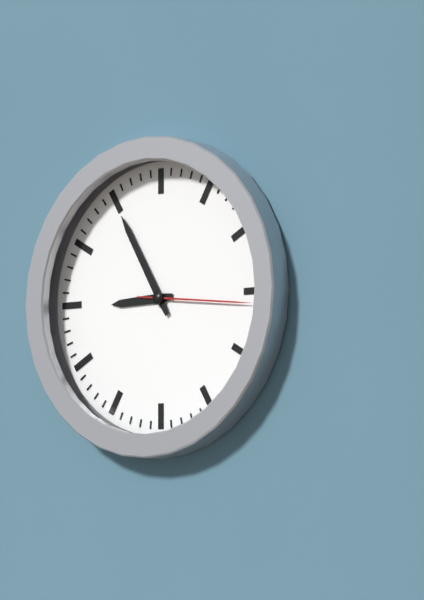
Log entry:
h=8 m=55 s=16
